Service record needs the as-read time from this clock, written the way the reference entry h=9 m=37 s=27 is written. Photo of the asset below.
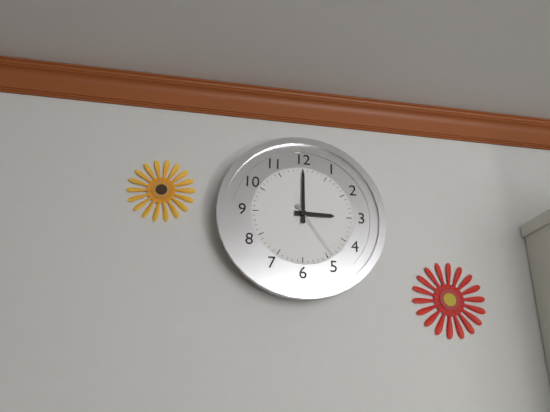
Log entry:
h=3 m=0 s=24
